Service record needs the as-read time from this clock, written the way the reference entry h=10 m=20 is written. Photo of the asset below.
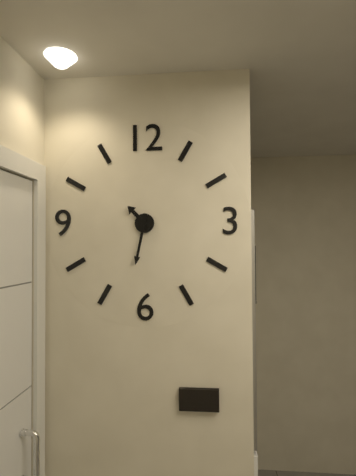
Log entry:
h=10 m=32
